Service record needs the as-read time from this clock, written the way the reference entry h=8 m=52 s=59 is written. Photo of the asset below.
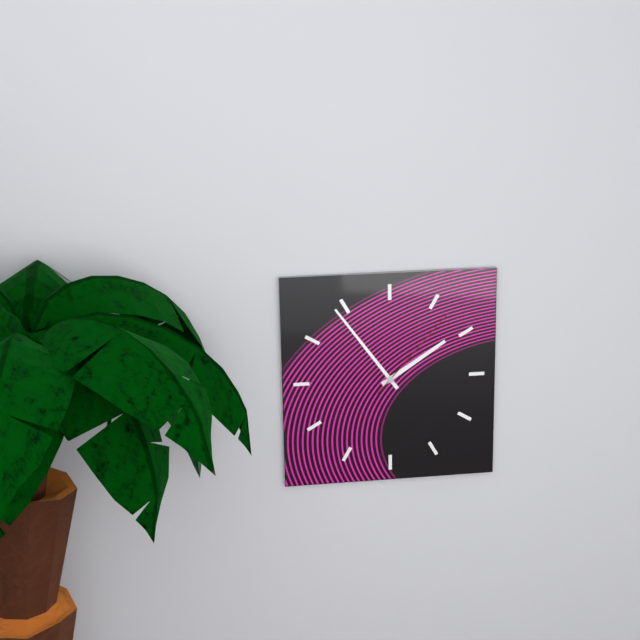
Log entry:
h=1 m=54 s=7
